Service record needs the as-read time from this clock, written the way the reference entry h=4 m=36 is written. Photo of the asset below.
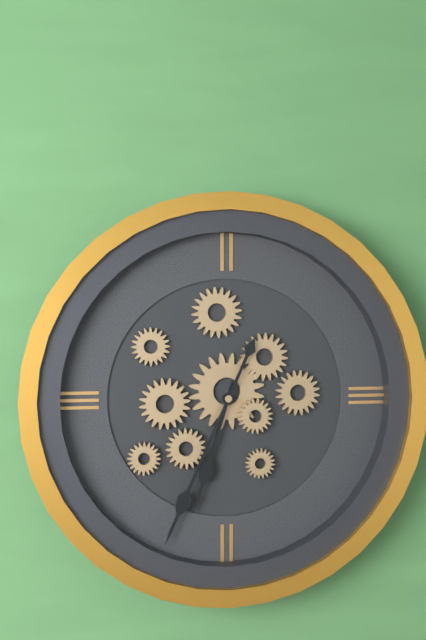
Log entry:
h=6 m=34
